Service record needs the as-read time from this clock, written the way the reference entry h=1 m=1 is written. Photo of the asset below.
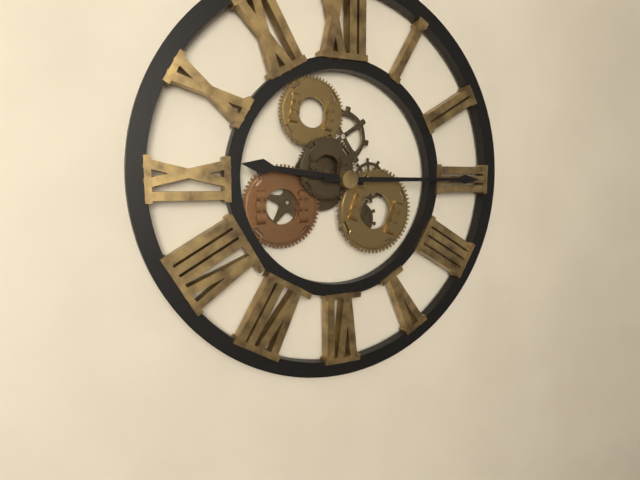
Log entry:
h=9 m=15
